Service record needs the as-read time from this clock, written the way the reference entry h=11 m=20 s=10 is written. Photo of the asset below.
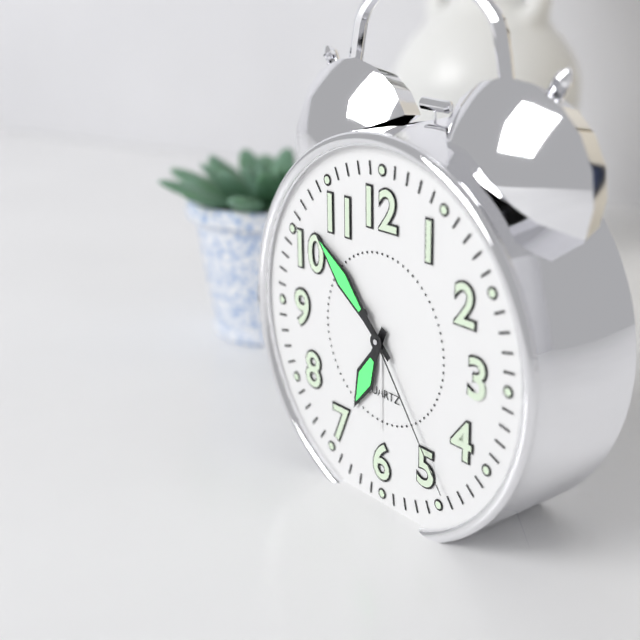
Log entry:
h=6 m=52 s=24
